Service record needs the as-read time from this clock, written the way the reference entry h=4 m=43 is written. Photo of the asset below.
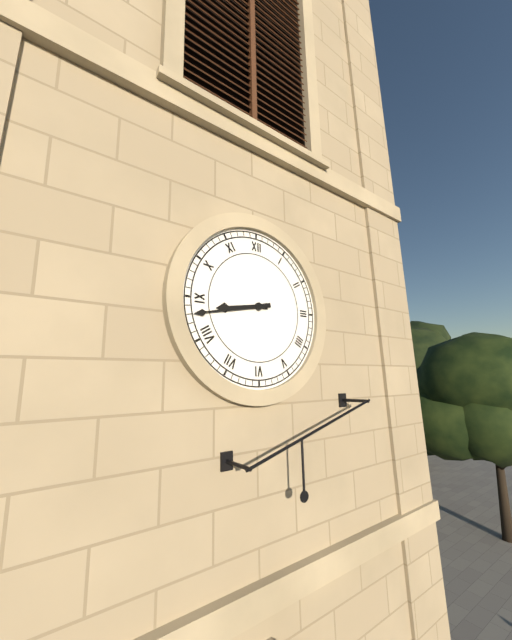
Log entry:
h=8 m=43
